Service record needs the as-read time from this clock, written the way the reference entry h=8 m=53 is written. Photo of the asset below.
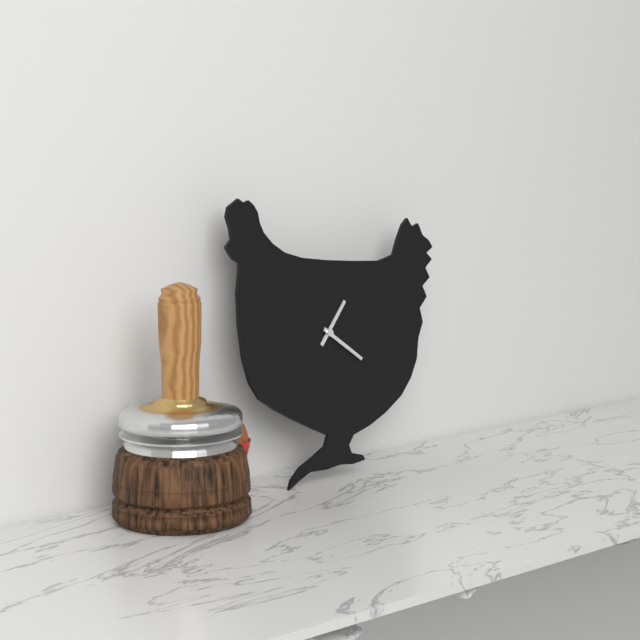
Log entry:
h=1 m=21
